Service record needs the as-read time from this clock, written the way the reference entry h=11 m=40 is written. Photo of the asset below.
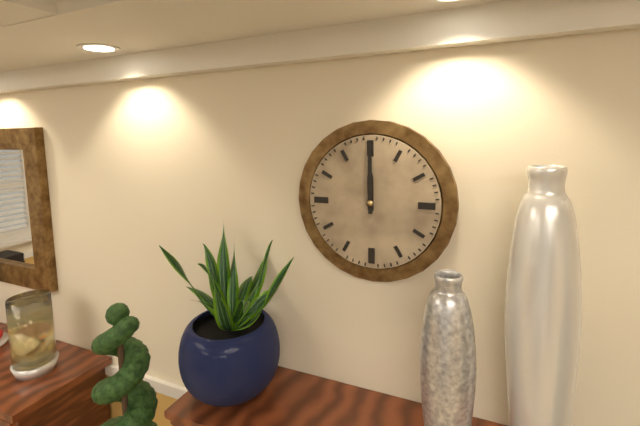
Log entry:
h=12 m=0
